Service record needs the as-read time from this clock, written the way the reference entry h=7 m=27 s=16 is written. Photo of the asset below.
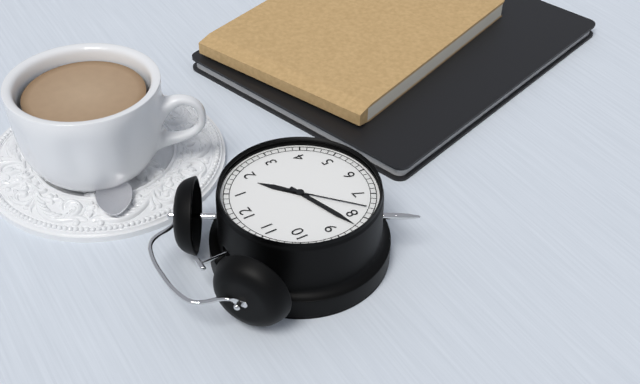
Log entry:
h=1 m=42 s=38
